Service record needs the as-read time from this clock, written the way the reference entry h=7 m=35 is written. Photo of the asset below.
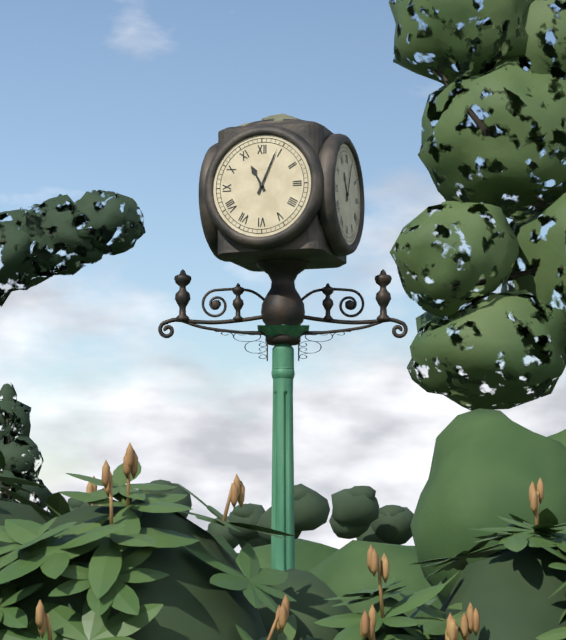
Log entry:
h=11 m=4
